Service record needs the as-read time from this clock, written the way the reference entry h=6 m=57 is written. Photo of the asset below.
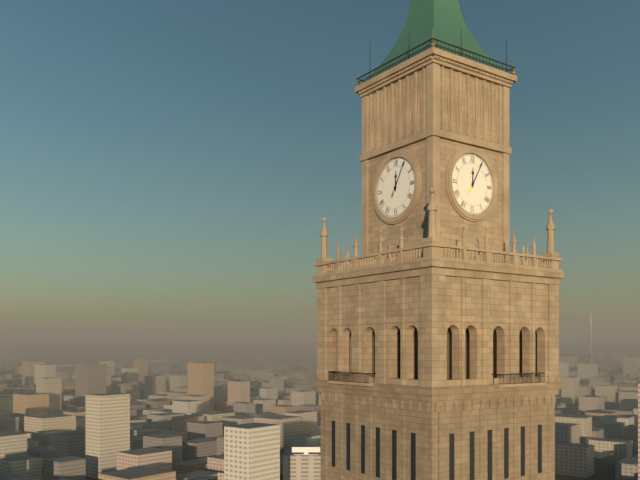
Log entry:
h=12 m=5
